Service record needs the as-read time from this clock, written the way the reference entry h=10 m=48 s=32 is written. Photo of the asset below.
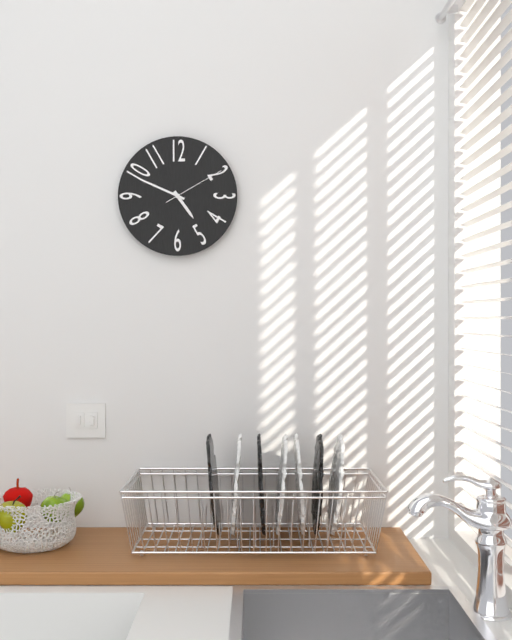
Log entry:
h=4 m=49 s=10
